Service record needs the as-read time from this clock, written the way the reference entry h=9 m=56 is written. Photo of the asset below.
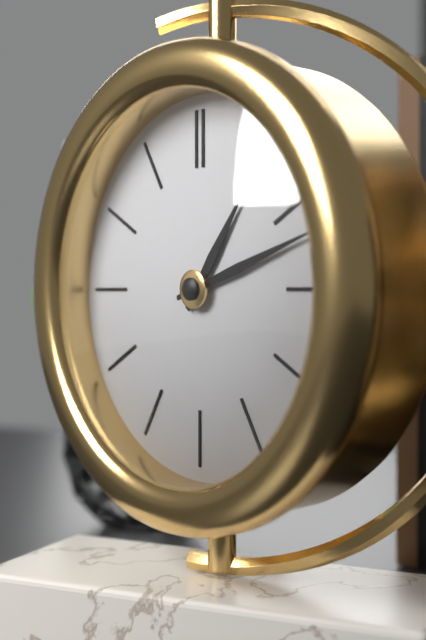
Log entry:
h=1 m=12
